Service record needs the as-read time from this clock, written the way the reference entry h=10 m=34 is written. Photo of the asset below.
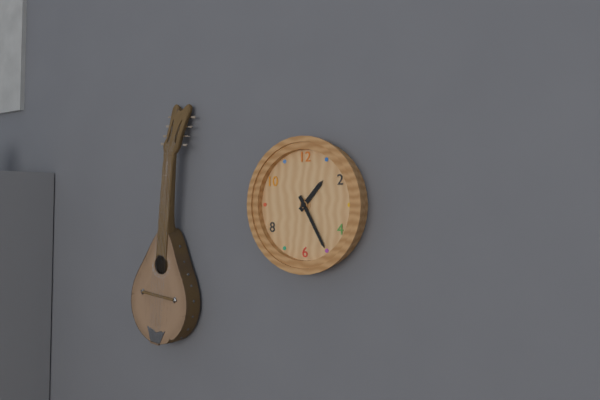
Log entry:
h=1 m=25
